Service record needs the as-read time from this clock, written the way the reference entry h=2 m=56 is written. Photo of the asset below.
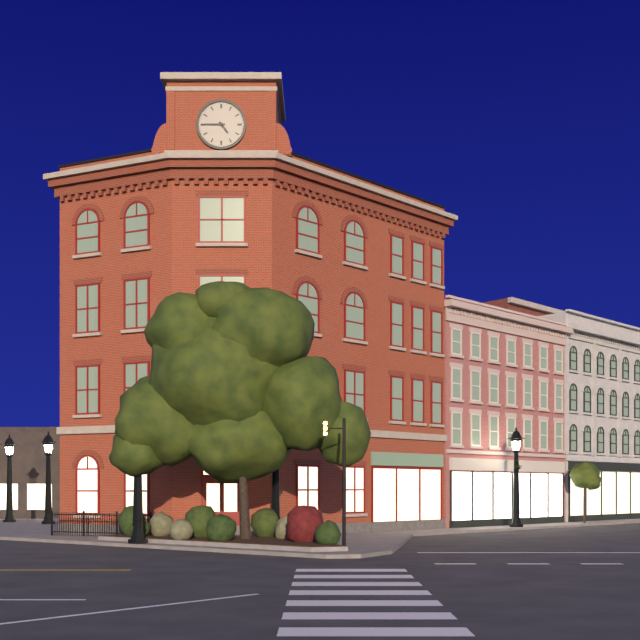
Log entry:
h=4 m=45
